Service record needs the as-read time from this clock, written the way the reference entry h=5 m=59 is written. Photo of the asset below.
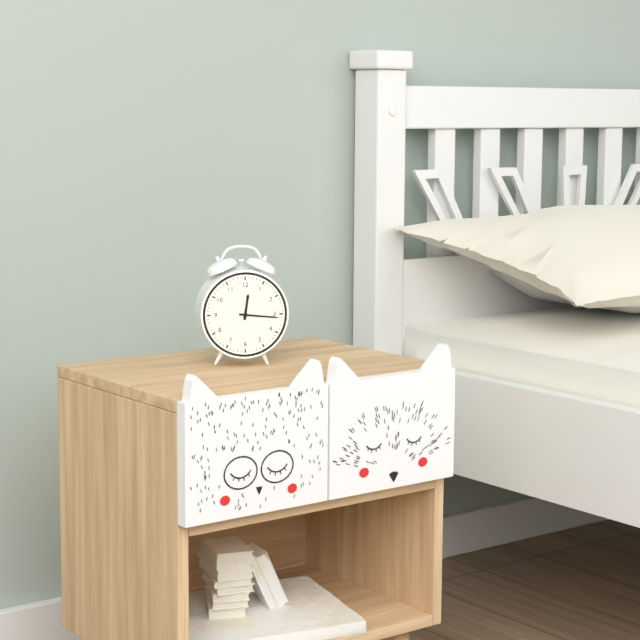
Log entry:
h=12 m=16
